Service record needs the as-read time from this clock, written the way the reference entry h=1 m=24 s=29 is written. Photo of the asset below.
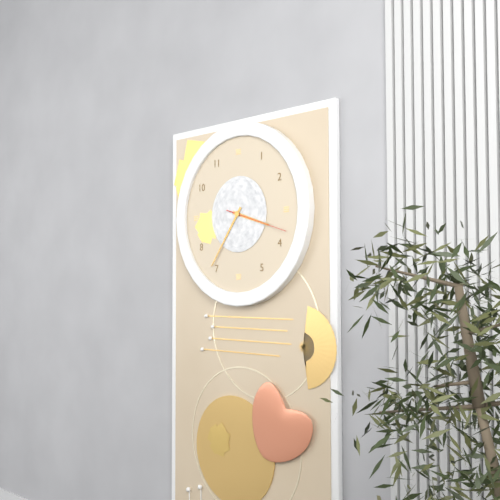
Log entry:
h=3 m=36 s=18
